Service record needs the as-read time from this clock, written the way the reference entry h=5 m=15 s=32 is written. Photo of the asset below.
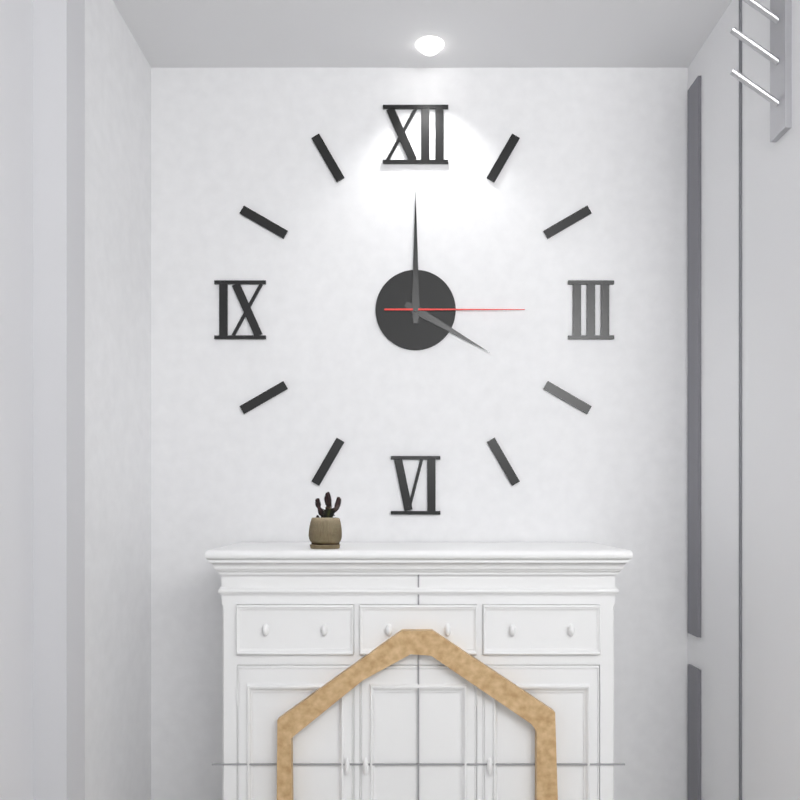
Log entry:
h=4 m=0 s=15
